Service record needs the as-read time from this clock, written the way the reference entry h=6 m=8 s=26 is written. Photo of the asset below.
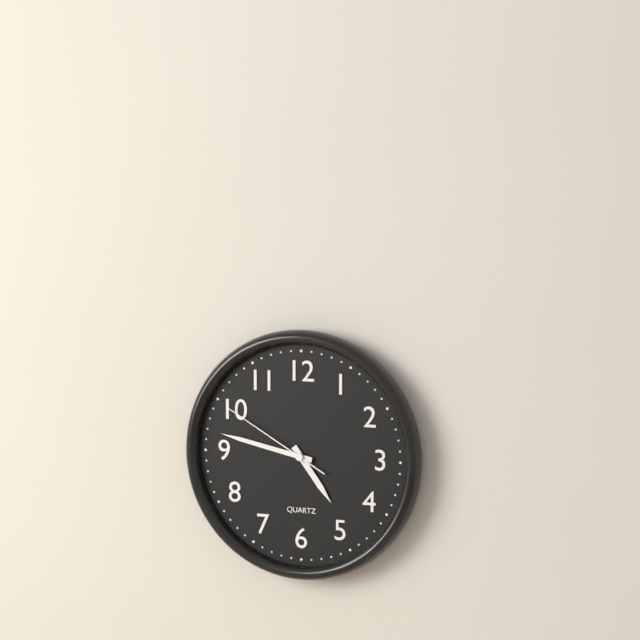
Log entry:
h=4 m=47 s=50
